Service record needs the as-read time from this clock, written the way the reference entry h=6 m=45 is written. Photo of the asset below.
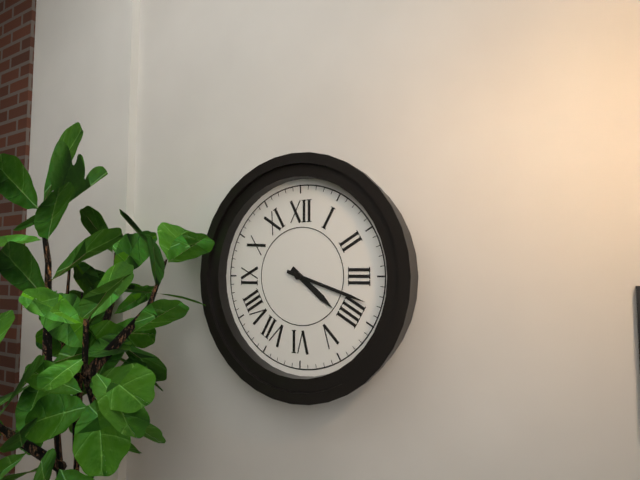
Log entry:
h=4 m=18
